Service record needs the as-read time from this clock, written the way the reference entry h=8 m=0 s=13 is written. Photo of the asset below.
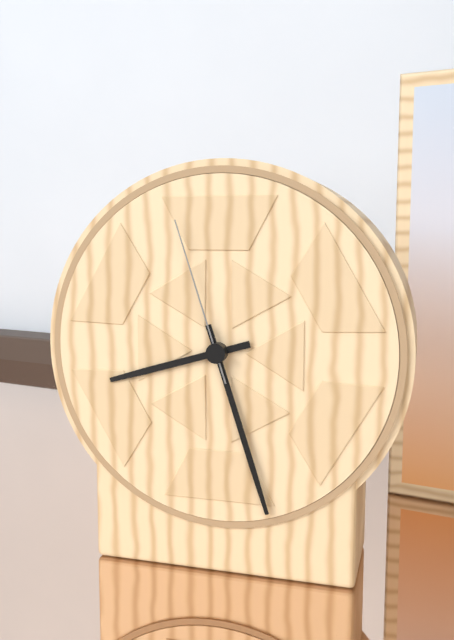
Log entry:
h=8 m=27 s=57
